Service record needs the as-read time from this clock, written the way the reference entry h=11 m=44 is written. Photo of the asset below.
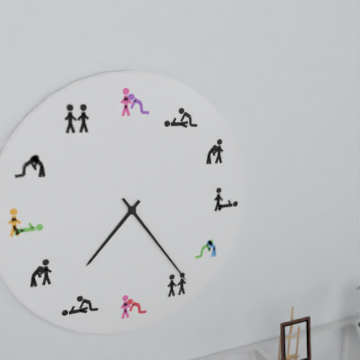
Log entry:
h=7 m=24
